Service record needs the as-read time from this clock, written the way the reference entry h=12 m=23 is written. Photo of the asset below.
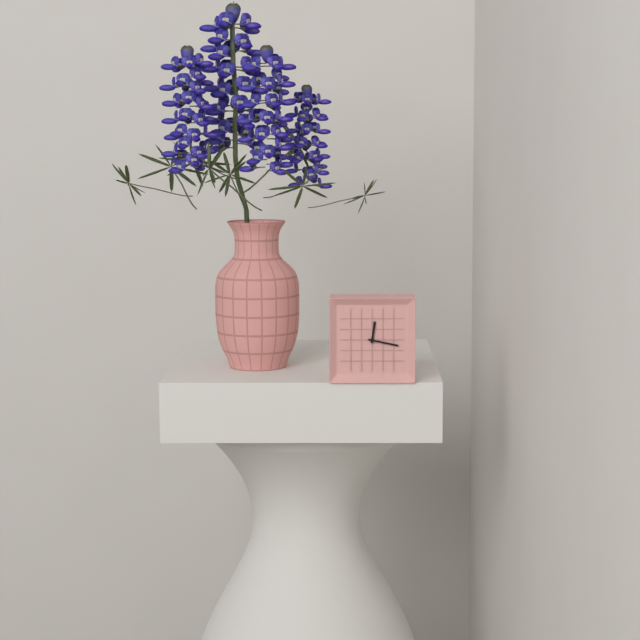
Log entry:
h=12 m=17
